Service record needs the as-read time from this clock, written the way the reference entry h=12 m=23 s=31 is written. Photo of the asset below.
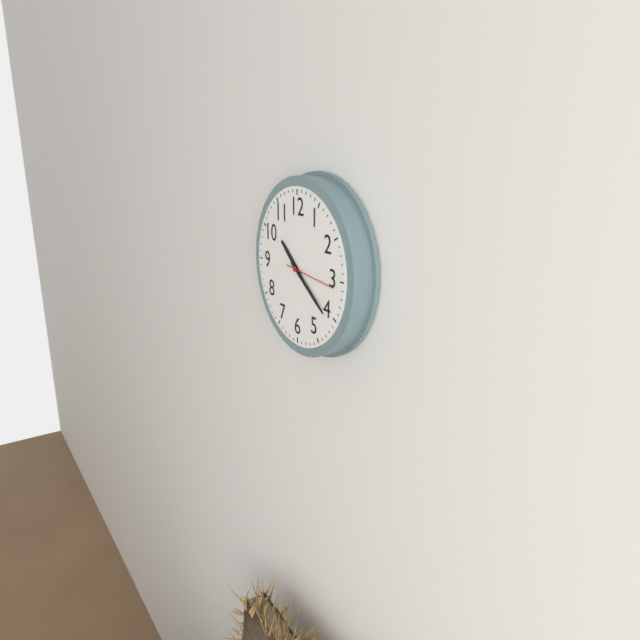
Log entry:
h=10 m=21 s=16
